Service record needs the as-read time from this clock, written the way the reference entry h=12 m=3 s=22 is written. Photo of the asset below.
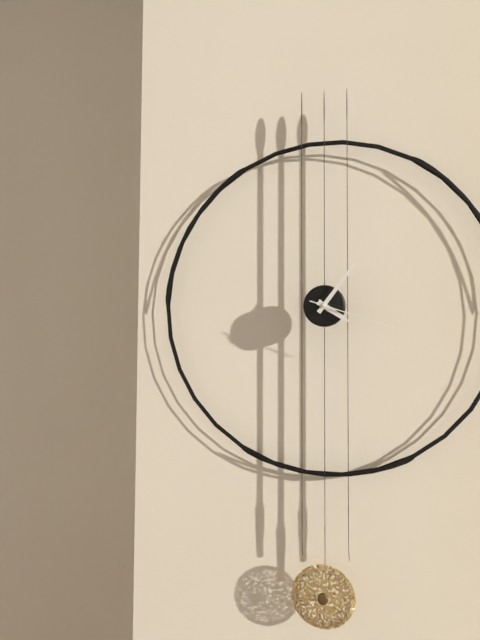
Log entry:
h=4 m=6 s=18
